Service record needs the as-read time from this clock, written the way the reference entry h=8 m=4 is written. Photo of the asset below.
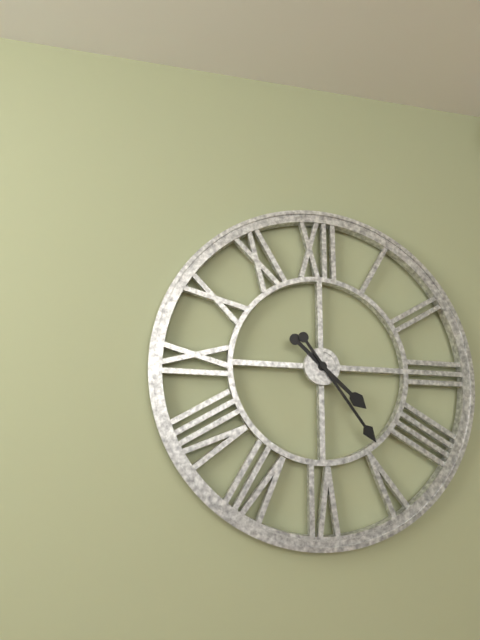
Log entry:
h=4 m=24
